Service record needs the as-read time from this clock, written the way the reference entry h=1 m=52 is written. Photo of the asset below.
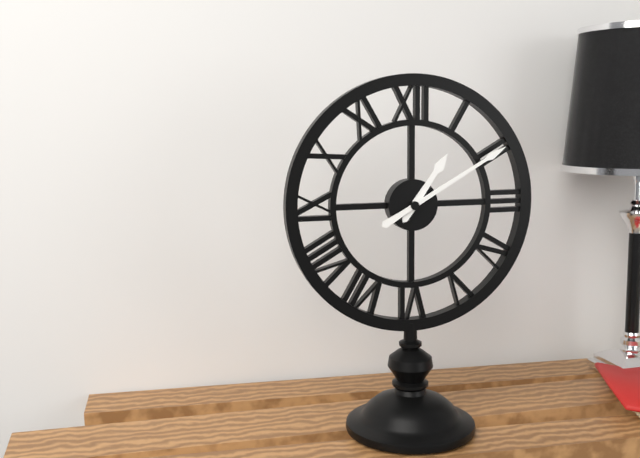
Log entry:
h=1 m=10
